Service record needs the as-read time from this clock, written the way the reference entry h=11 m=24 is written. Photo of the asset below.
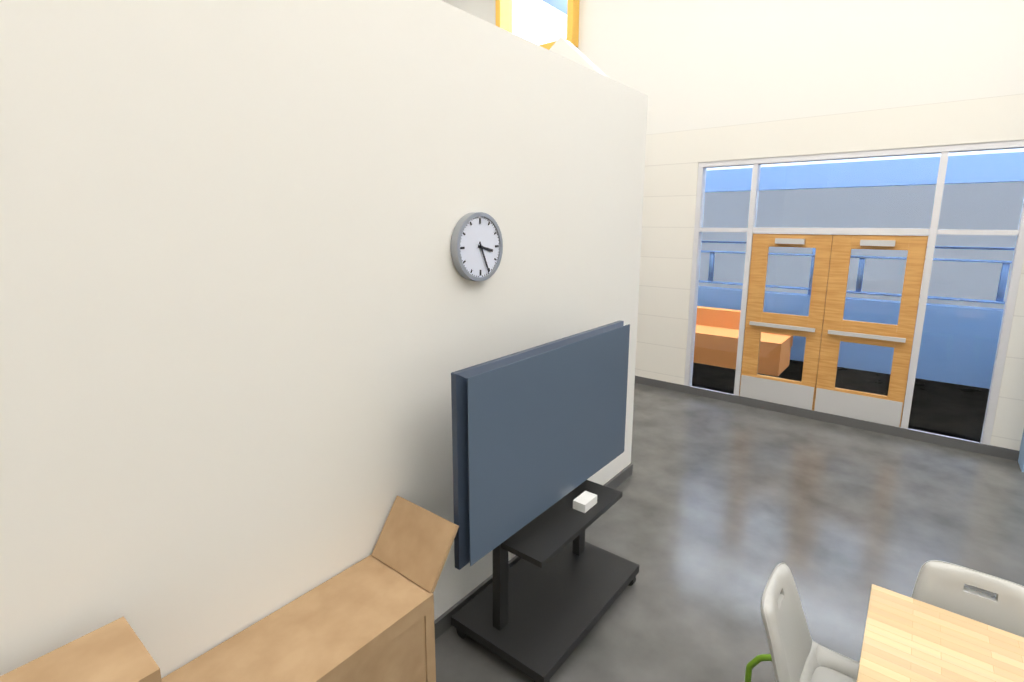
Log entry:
h=3 m=26
